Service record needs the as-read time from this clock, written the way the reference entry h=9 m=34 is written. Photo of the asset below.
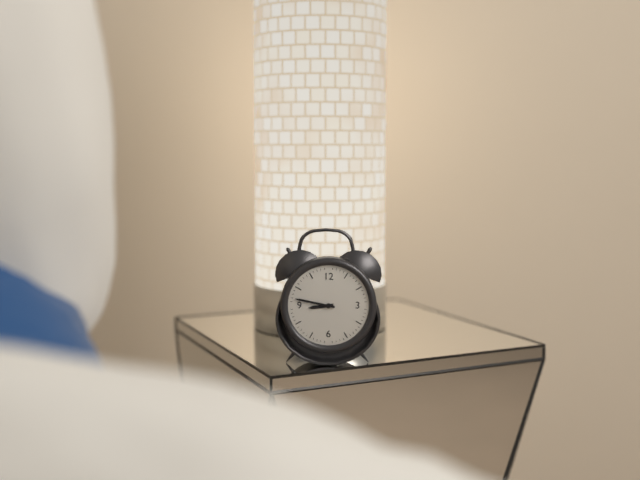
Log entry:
h=8 m=47
